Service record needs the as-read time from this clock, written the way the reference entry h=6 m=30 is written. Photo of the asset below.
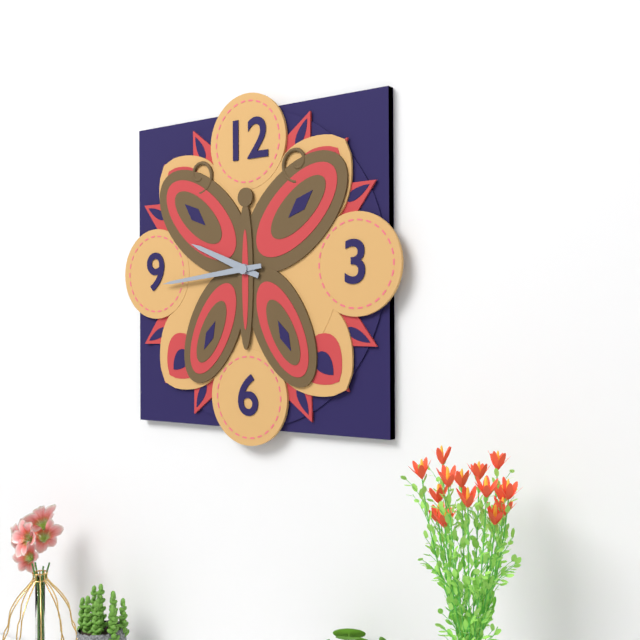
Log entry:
h=9 m=44
